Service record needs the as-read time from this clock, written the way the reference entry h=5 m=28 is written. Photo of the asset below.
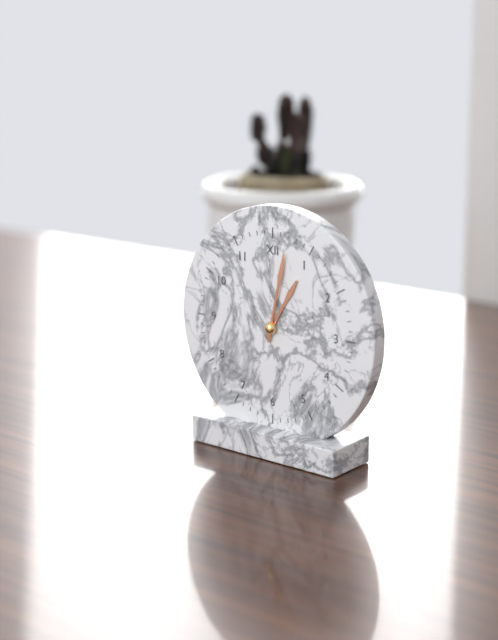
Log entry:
h=1 m=2
